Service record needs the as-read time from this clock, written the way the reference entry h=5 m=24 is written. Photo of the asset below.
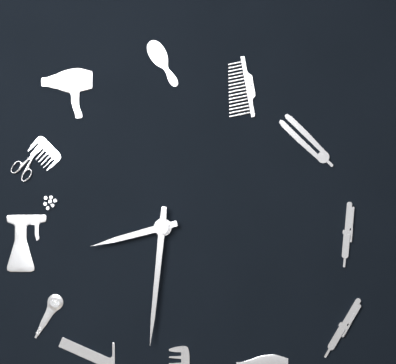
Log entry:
h=8 m=31
